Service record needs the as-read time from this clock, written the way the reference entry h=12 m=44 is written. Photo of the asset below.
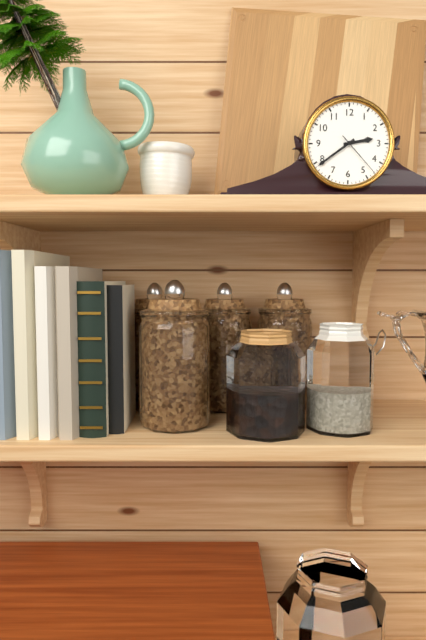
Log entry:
h=2 m=39
